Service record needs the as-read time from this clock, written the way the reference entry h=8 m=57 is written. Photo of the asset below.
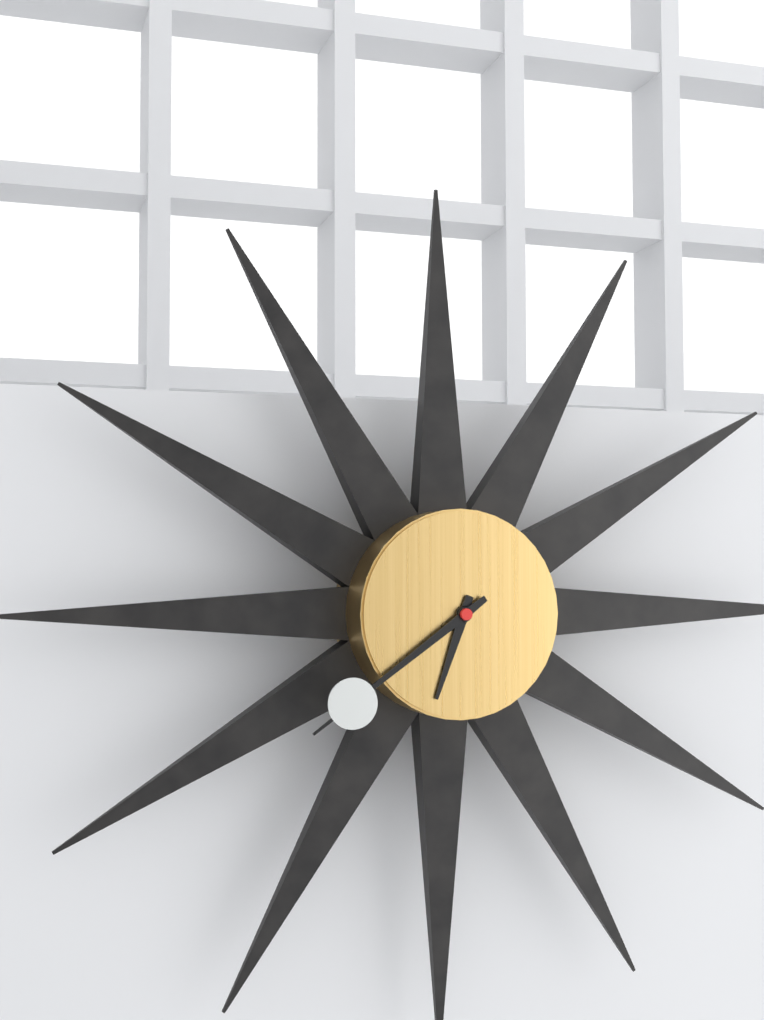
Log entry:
h=6 m=39
